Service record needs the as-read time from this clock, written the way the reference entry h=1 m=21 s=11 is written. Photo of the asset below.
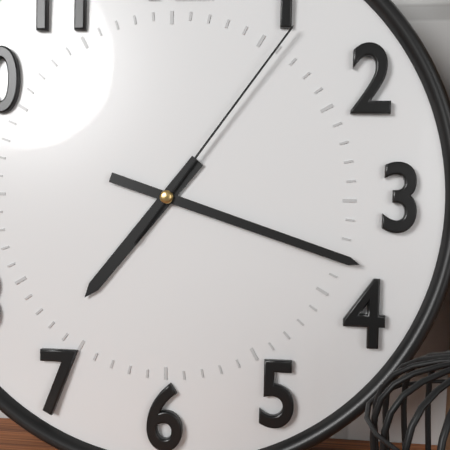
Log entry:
h=7 m=18 s=6
